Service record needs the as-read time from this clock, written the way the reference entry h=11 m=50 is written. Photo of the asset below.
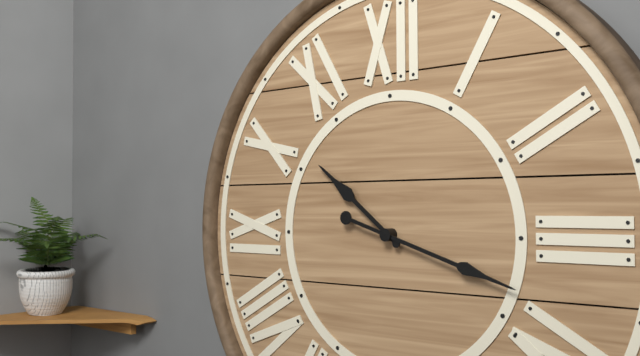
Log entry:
h=10 m=18
